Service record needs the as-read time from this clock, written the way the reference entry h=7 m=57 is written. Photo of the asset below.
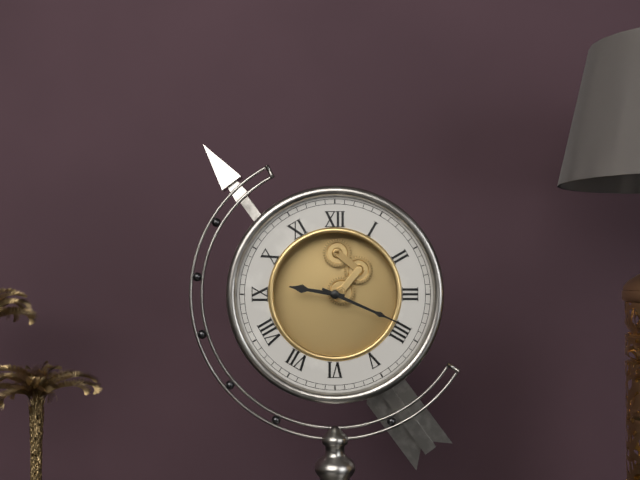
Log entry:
h=9 m=19
